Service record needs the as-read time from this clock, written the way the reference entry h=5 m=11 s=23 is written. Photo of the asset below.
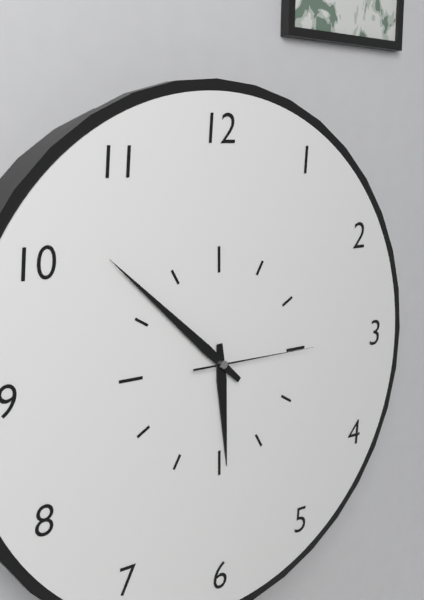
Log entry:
h=5 m=52 s=15
